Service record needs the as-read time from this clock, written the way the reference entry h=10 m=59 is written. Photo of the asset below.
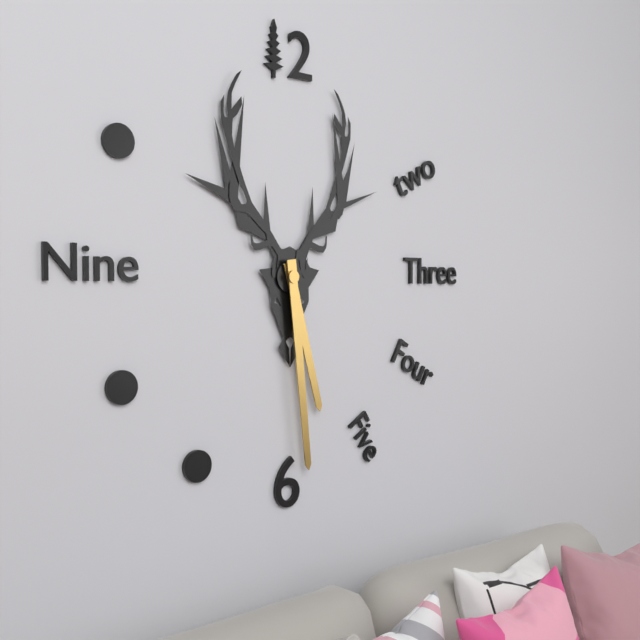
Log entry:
h=5 m=29
